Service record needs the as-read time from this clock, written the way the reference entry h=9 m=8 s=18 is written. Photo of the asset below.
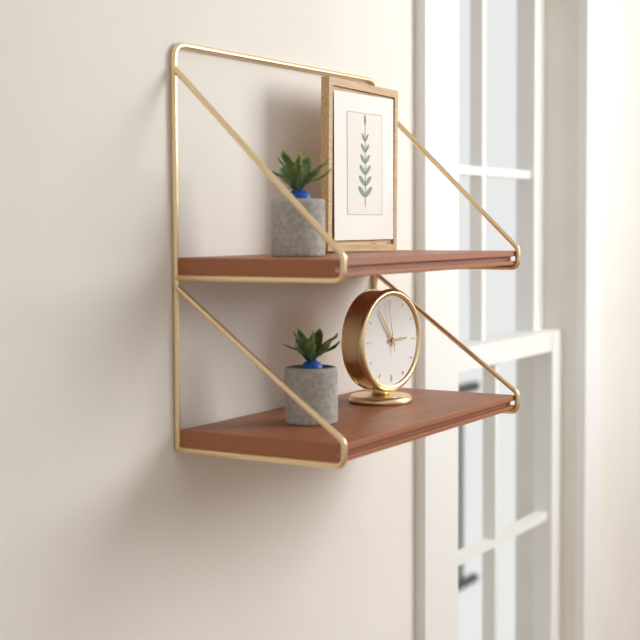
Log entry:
h=2 m=54 s=58
